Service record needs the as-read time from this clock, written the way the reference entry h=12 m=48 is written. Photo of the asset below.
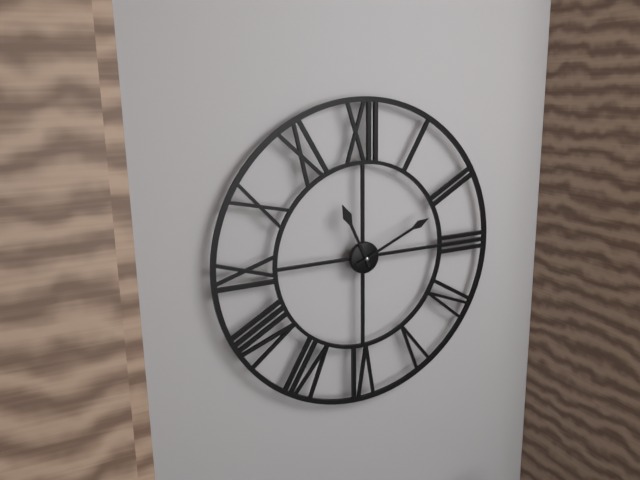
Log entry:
h=11 m=11
